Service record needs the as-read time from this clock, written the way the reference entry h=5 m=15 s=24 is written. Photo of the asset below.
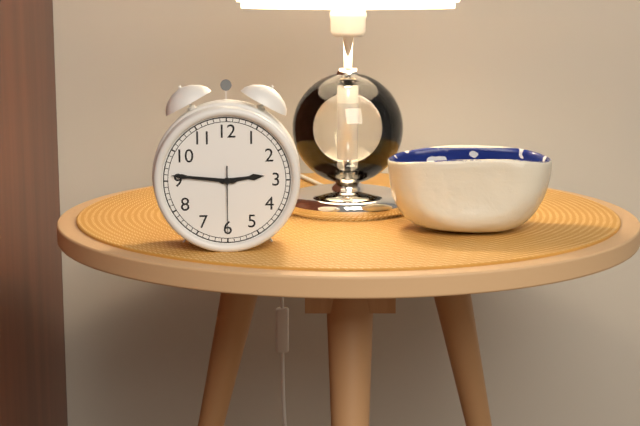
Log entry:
h=2 m=46 s=30
